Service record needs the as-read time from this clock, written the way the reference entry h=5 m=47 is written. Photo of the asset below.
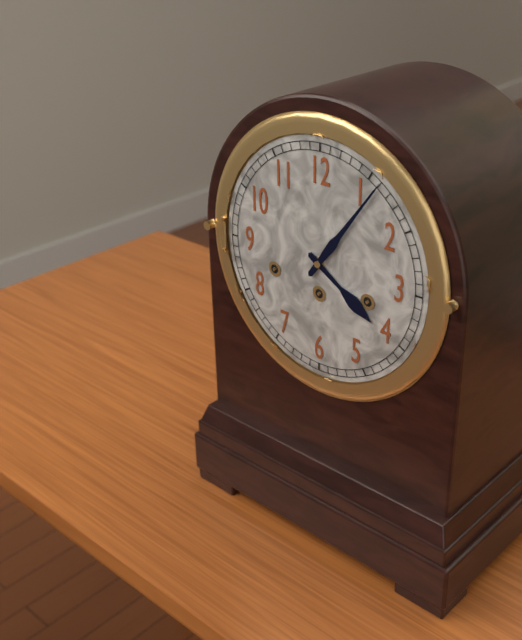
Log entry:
h=4 m=6
